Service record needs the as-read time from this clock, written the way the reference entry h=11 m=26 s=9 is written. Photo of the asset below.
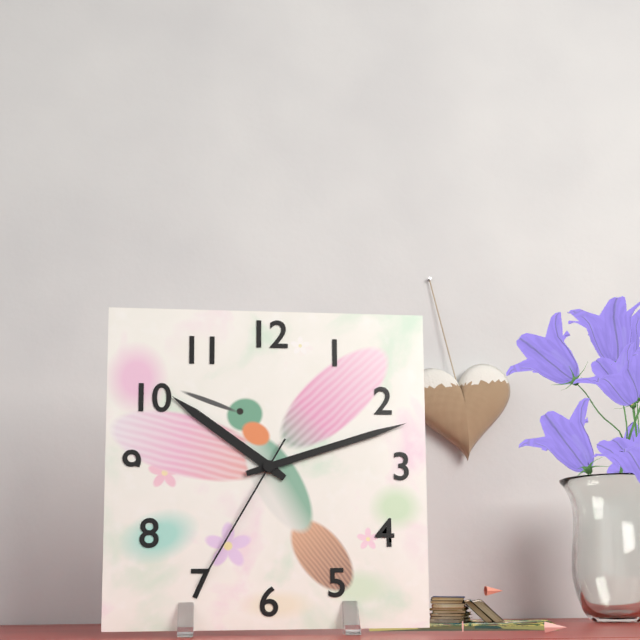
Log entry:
h=10 m=12 s=35
